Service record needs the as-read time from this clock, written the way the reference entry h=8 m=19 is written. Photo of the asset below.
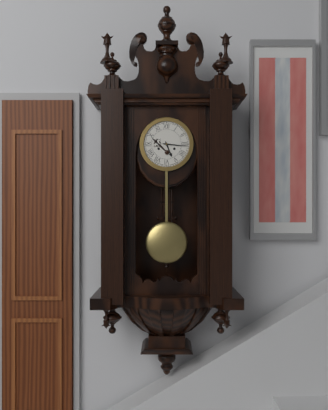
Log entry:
h=5 m=16
